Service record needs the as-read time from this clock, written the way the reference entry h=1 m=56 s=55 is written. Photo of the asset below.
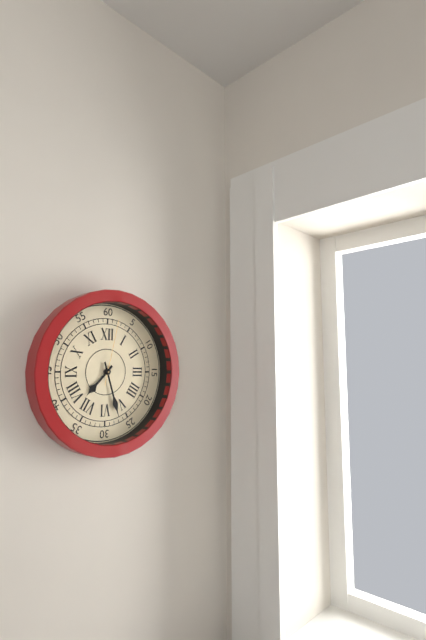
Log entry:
h=7 m=27 s=2
